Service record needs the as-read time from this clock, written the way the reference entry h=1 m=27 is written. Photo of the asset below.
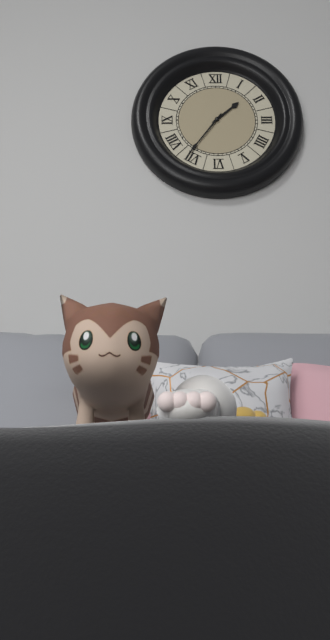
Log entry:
h=1 m=36
